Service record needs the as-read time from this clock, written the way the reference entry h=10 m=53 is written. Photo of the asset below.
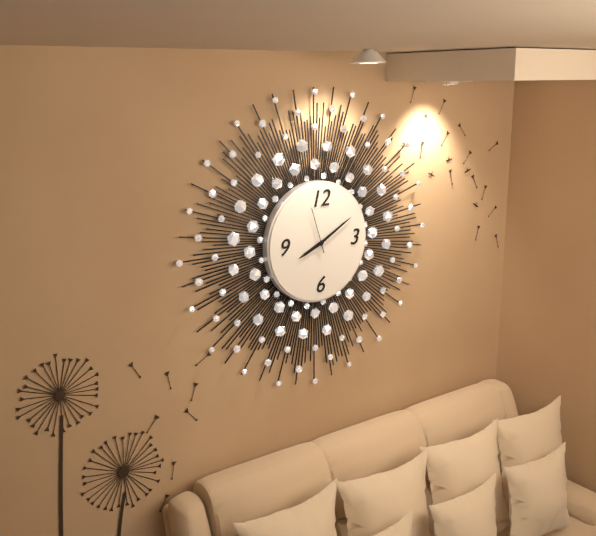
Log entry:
h=8 m=10
